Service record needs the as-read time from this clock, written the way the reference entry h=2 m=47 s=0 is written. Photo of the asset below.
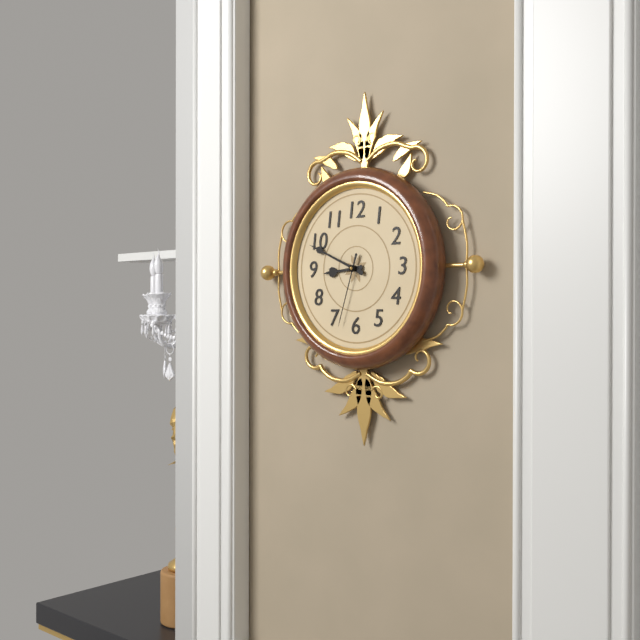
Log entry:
h=8 m=49 s=33
